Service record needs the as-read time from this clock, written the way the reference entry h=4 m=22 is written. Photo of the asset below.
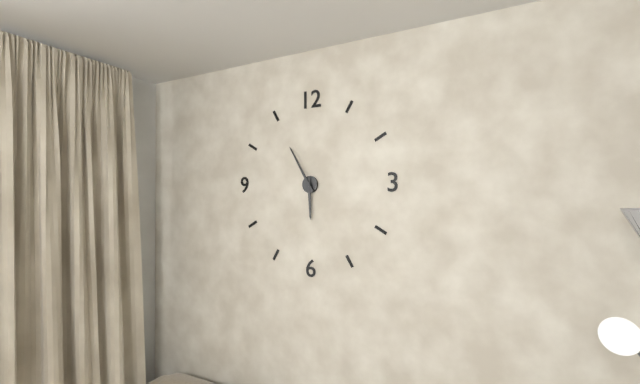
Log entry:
h=5 m=55
